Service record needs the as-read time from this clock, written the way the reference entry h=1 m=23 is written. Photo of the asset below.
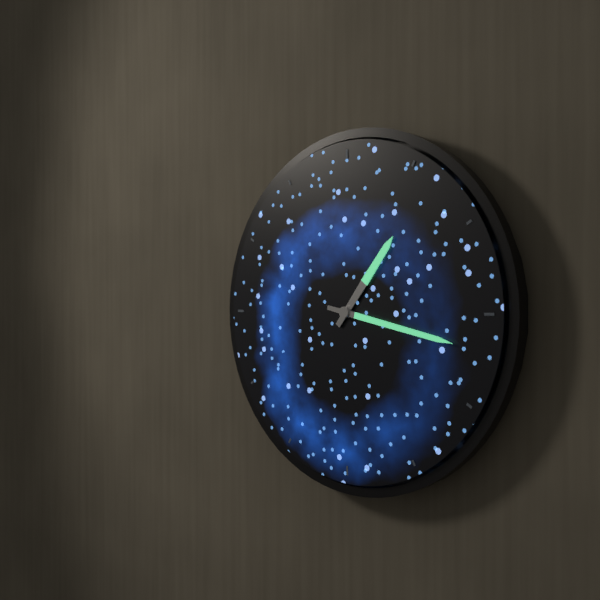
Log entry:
h=1 m=17
